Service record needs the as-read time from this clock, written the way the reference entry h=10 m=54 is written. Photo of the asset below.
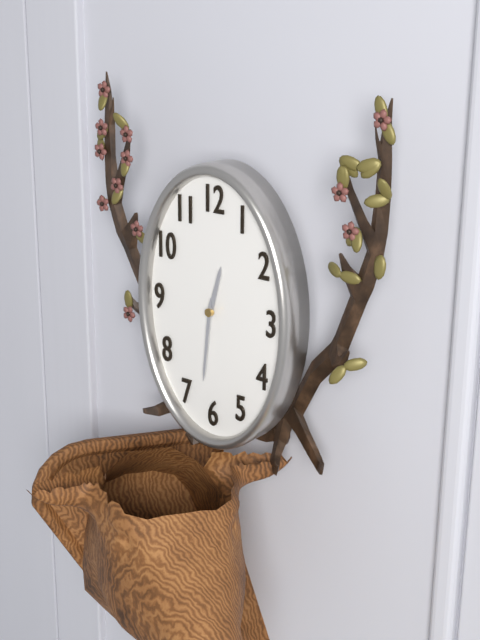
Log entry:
h=12 m=31
